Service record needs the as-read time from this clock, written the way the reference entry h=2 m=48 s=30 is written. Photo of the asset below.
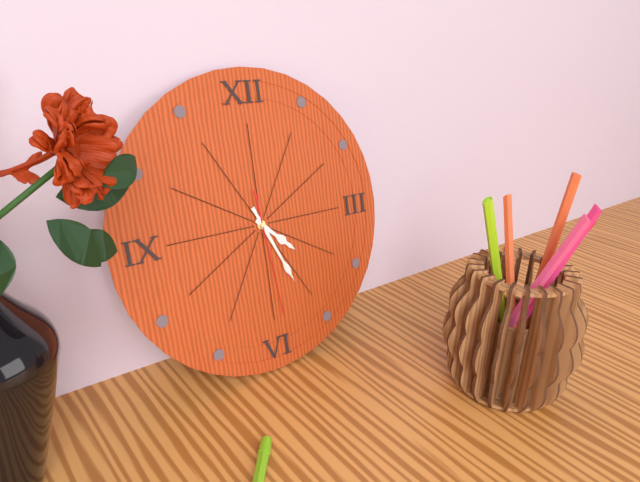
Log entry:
h=4 m=26 s=29
